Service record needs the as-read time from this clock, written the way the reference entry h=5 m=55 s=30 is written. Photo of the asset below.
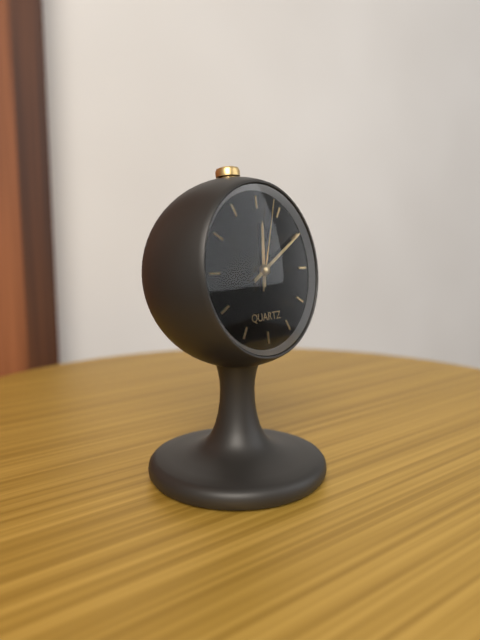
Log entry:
h=12 m=10 s=3
